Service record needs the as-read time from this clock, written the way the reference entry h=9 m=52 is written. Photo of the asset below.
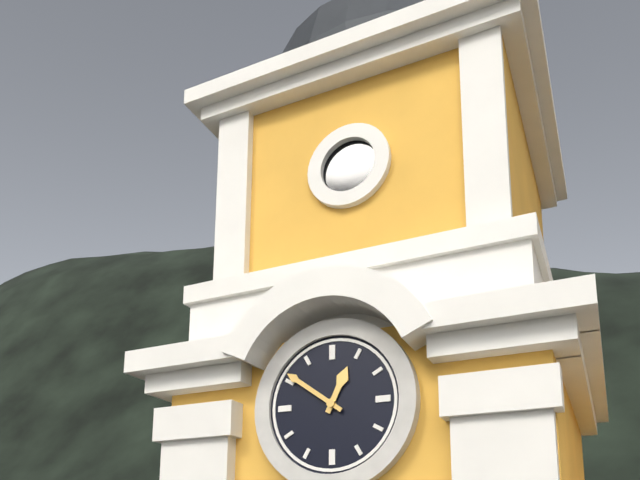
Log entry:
h=12 m=51
